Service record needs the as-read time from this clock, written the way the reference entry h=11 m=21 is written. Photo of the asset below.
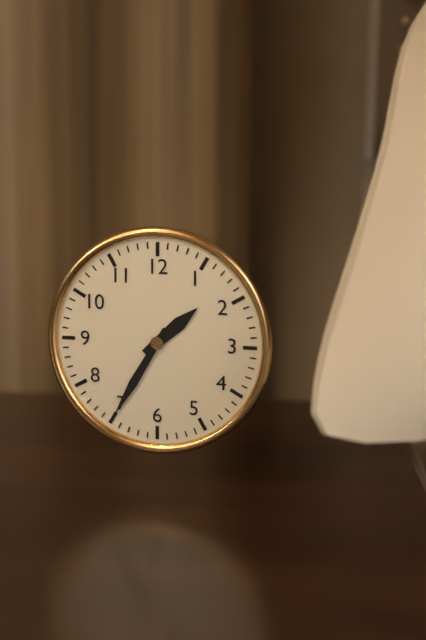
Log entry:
h=1 m=35
